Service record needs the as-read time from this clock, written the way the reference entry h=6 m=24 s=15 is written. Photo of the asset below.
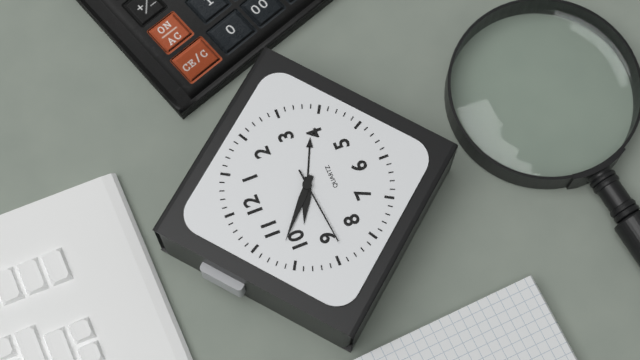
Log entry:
h=9 m=52 s=44
